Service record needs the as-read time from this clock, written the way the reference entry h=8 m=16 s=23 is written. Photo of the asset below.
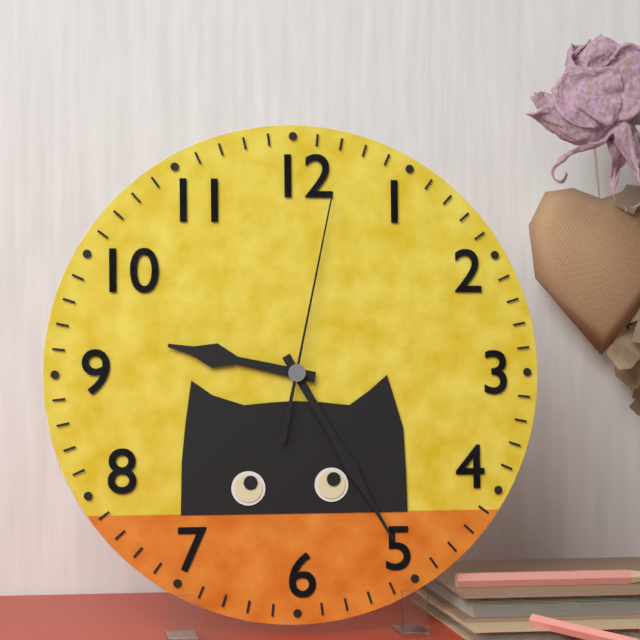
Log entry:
h=9 m=25 s=2
